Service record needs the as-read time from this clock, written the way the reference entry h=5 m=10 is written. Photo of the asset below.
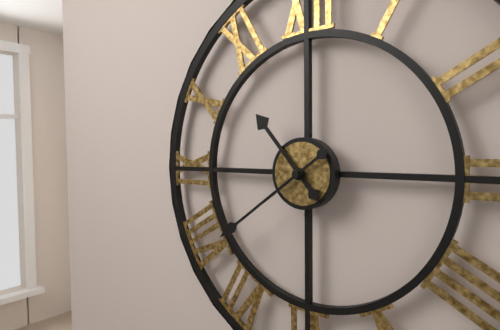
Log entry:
h=10 m=39
